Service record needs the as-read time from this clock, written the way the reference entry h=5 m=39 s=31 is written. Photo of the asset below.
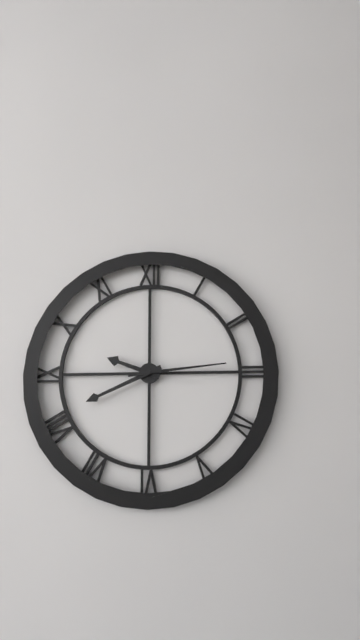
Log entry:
h=9 m=41 s=14
